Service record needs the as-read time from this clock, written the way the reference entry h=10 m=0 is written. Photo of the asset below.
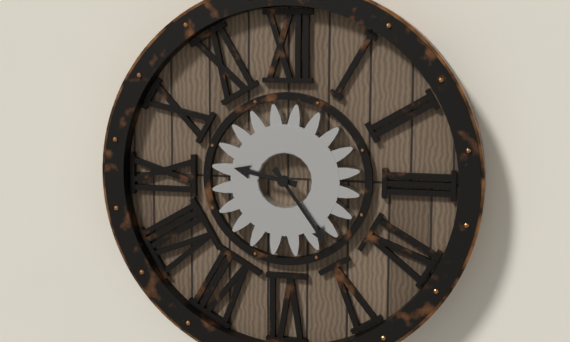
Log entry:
h=9 m=24
